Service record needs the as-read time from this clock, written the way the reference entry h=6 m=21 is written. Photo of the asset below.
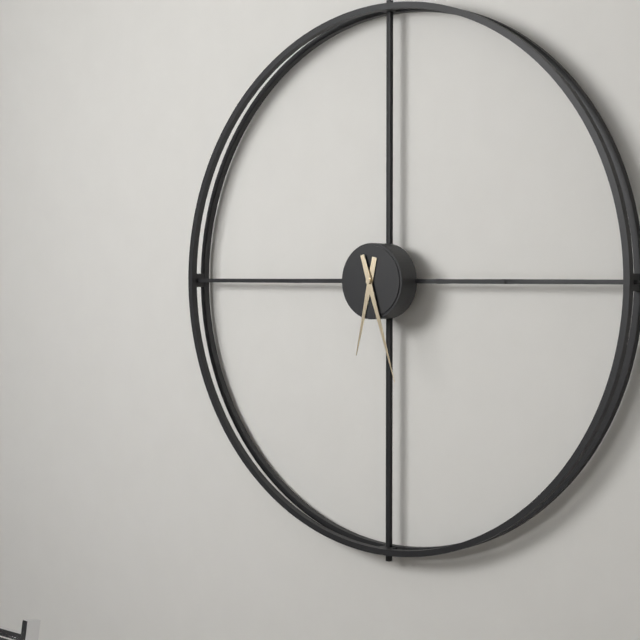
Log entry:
h=6 m=27
